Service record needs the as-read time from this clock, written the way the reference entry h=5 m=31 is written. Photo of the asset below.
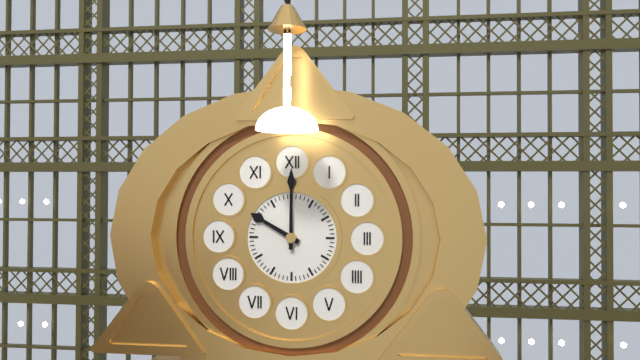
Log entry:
h=10 m=0
